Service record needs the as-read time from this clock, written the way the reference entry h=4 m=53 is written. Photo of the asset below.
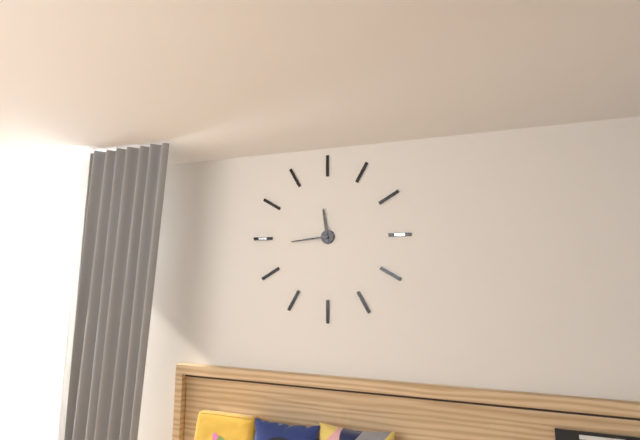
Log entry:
h=11 m=44
